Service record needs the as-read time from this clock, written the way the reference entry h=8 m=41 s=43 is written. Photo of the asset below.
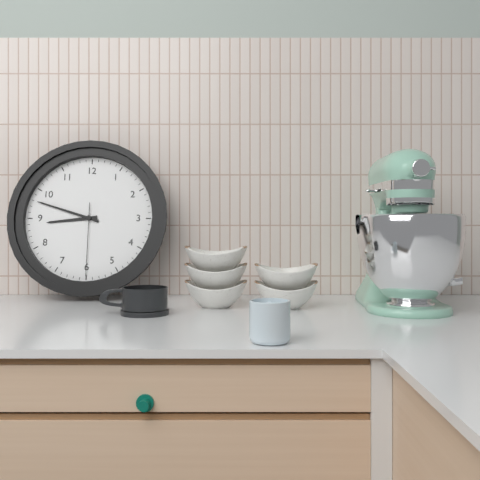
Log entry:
h=8 m=48 s=30
